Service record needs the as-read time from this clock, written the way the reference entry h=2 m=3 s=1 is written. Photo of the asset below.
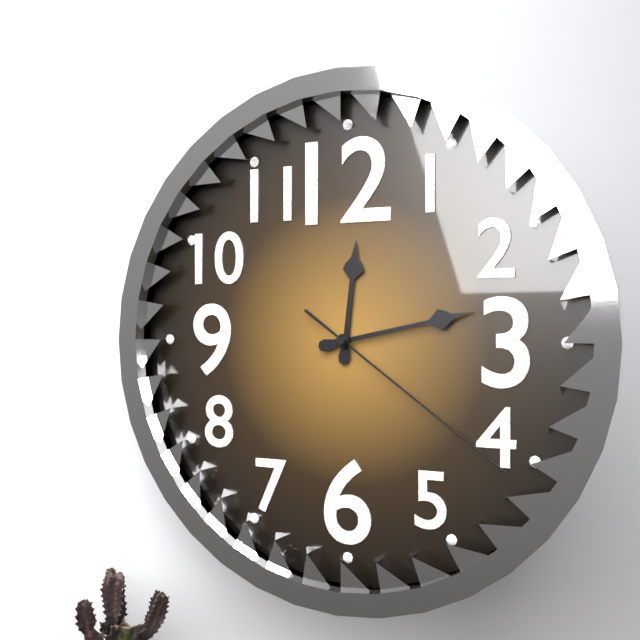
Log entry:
h=12 m=13 s=21
